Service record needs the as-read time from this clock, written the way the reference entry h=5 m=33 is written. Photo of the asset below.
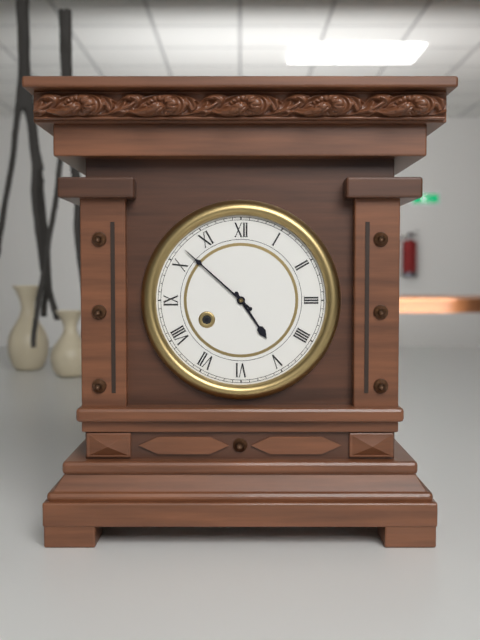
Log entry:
h=4 m=52
